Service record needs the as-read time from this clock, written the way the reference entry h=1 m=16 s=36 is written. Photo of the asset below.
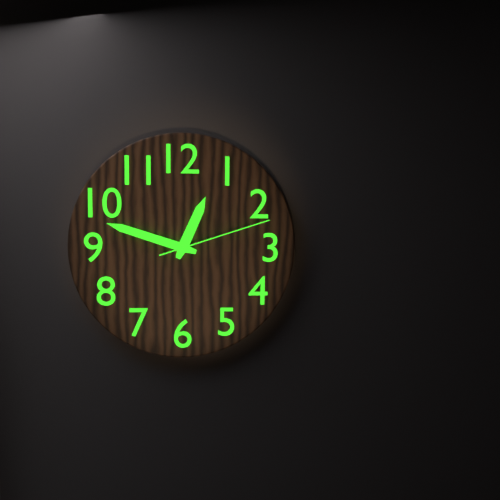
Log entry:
h=12 m=48 s=12
